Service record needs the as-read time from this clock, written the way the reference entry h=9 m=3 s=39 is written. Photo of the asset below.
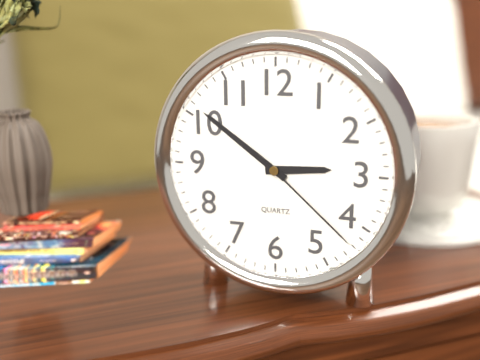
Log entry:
h=2 m=51 s=22
